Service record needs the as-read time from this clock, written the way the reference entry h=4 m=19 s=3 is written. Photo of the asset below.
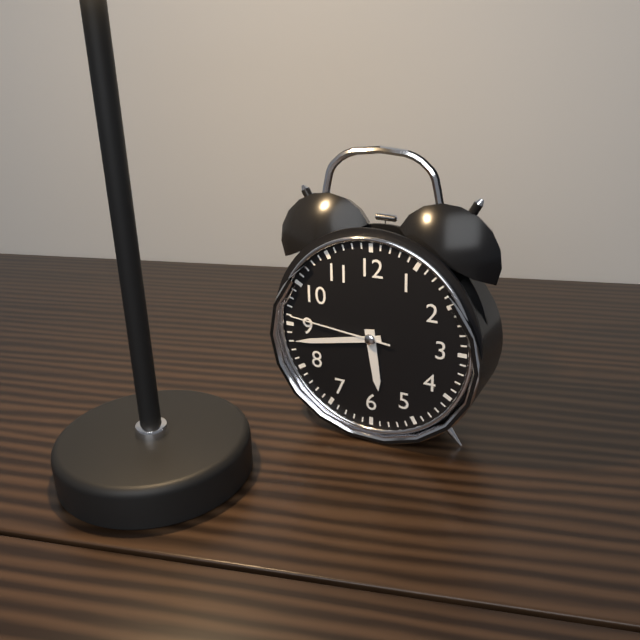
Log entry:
h=5 m=43 s=46
